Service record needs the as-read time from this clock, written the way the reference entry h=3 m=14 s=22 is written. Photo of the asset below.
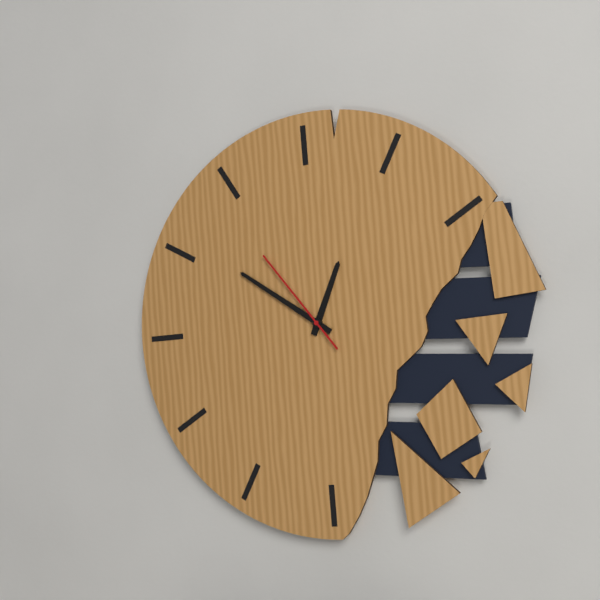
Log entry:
h=12 m=51 s=54
